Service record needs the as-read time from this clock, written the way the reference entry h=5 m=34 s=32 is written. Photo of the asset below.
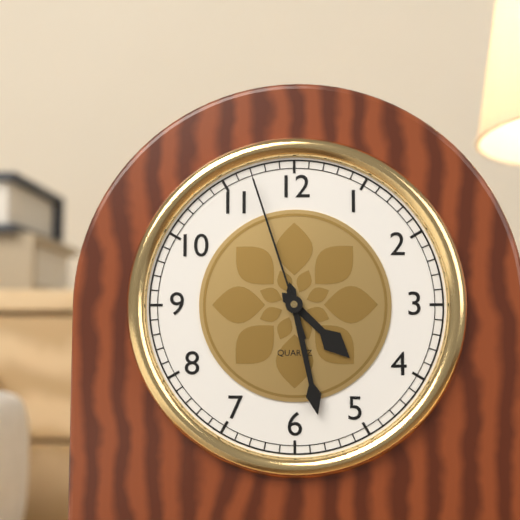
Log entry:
h=4 m=28 s=57
